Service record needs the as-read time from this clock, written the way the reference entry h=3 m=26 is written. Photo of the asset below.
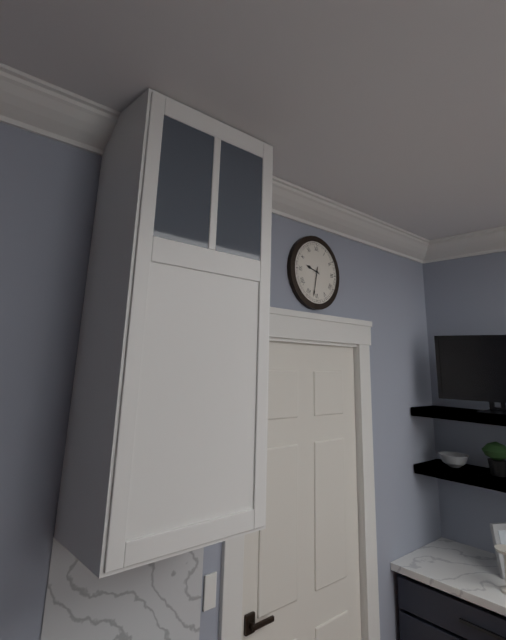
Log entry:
h=9 m=32
